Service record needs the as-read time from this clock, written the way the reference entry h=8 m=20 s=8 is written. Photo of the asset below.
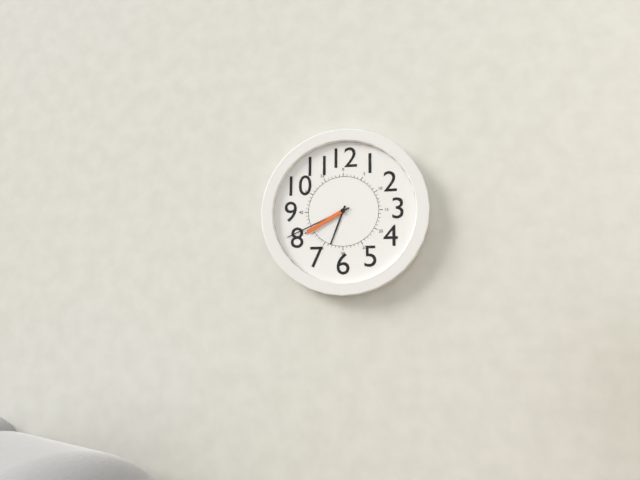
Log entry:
h=6 m=41 s=40
